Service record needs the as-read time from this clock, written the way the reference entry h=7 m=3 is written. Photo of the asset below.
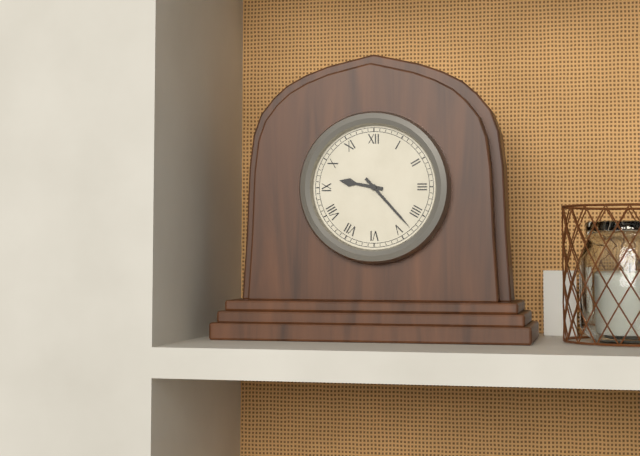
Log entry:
h=9 m=23
